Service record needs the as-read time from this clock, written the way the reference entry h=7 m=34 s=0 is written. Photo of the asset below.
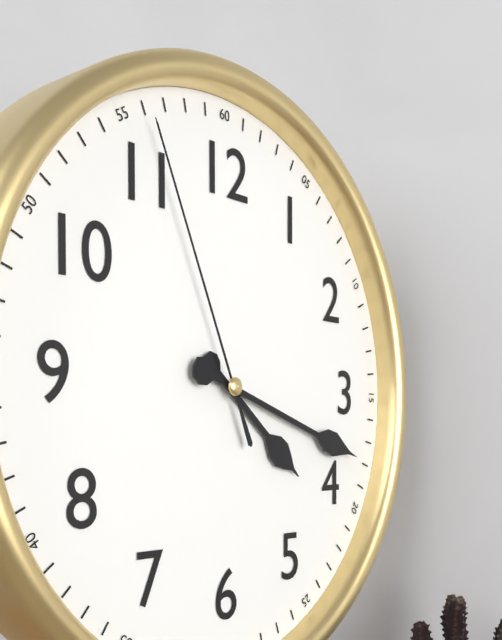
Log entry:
h=4 m=18 s=56
